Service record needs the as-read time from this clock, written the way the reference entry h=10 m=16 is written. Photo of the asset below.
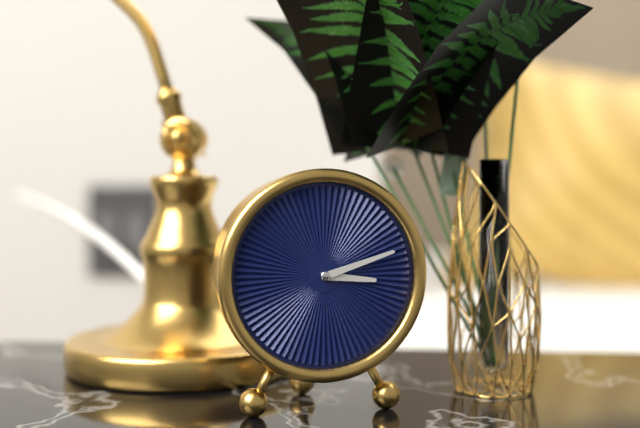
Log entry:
h=3 m=12
